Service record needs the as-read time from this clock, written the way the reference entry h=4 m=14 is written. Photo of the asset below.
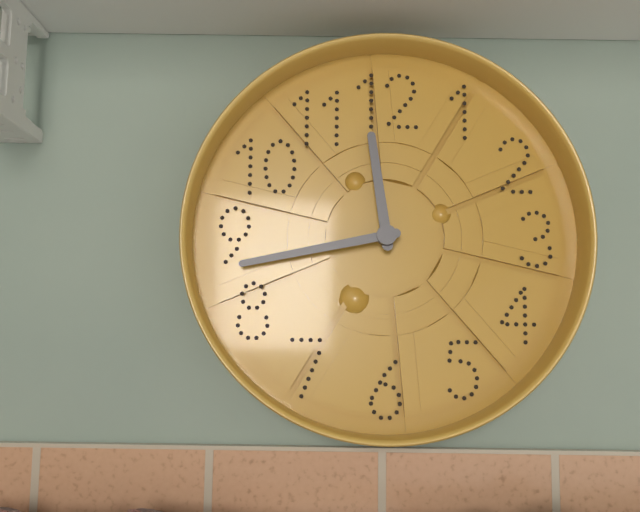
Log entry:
h=11 m=43
